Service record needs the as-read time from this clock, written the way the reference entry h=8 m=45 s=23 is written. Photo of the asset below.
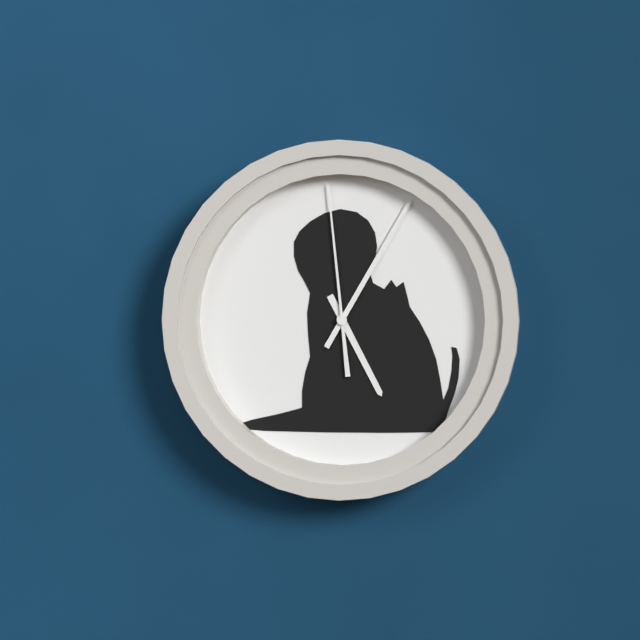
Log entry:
h=5 m=5 s=59
